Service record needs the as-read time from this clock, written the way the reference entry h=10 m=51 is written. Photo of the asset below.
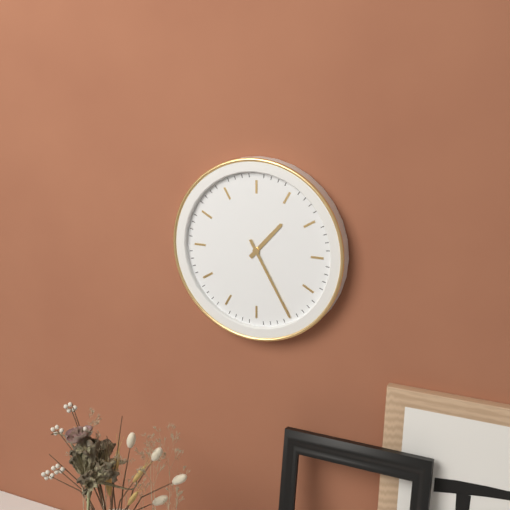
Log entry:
h=1 m=25
